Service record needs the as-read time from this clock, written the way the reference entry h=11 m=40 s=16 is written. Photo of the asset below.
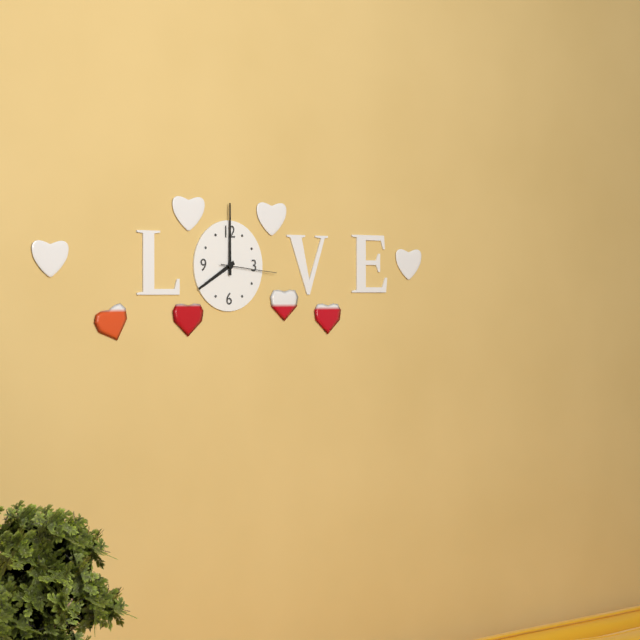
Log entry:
h=8 m=0 s=16
